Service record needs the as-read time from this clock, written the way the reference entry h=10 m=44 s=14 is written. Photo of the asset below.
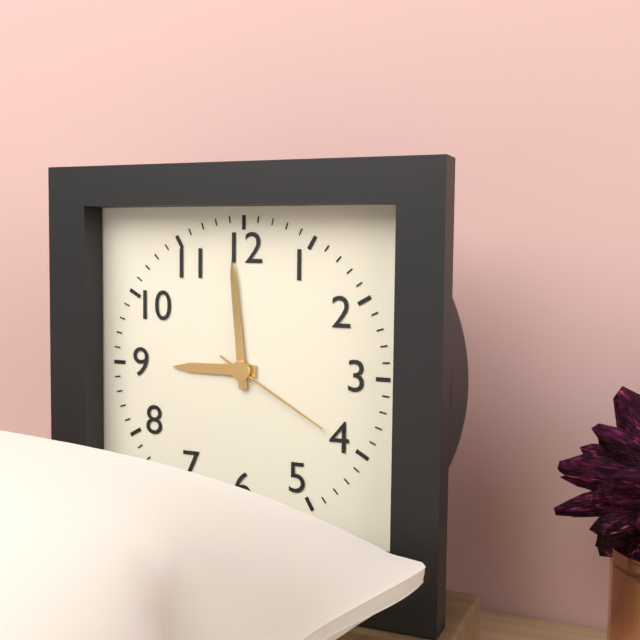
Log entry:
h=8 m=59 s=20
